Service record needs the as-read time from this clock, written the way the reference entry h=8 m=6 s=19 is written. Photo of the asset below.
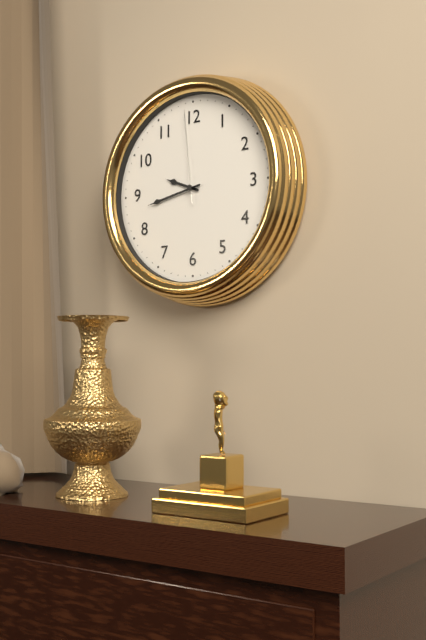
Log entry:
h=9 m=43 s=59
